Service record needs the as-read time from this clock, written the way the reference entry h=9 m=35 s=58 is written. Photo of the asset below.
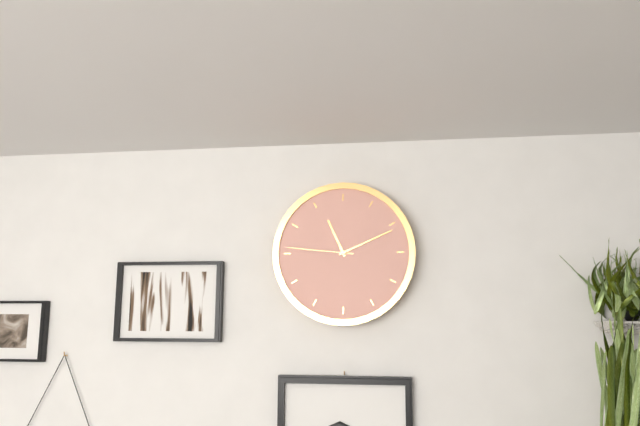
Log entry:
h=11 m=11 s=46
